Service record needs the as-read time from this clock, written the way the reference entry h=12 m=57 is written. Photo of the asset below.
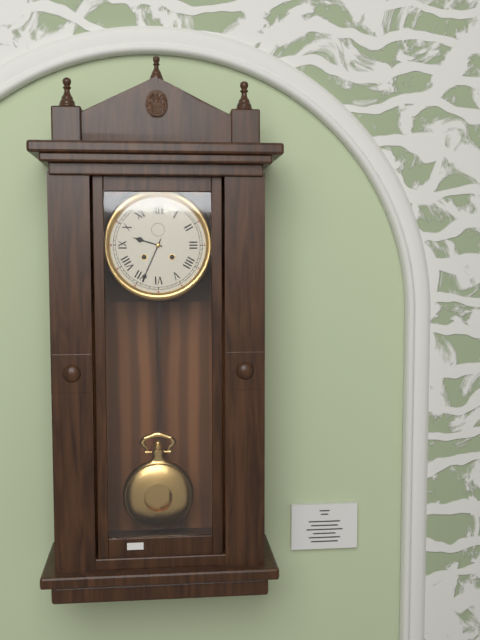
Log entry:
h=9 m=34
